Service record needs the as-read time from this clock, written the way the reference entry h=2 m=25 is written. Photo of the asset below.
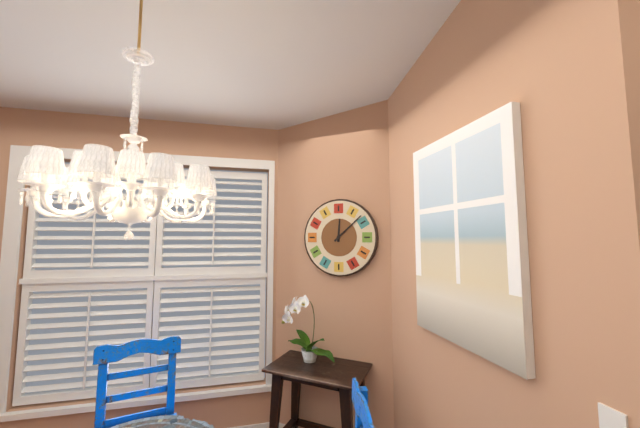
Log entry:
h=12 m=8
